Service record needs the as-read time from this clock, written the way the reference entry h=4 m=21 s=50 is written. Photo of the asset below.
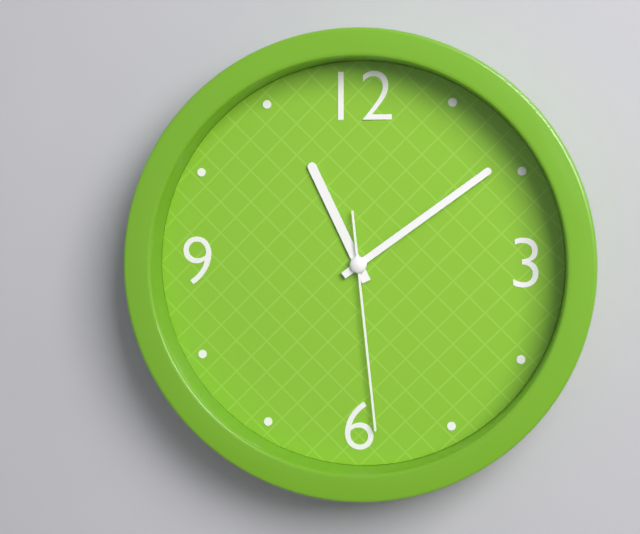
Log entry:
h=11 m=9 s=29
